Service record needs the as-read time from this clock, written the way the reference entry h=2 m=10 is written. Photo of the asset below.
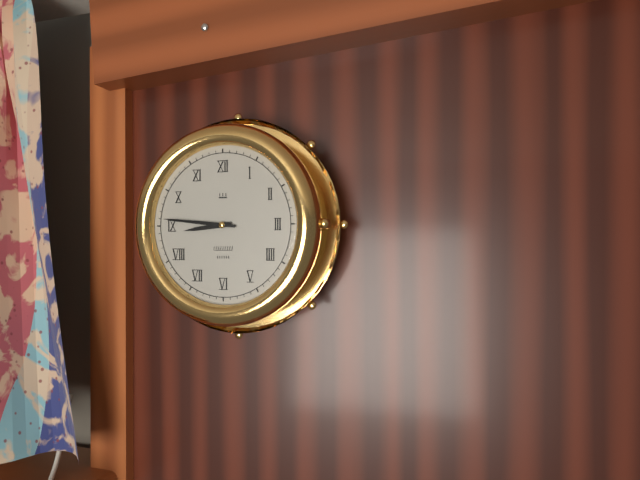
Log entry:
h=8 m=46
